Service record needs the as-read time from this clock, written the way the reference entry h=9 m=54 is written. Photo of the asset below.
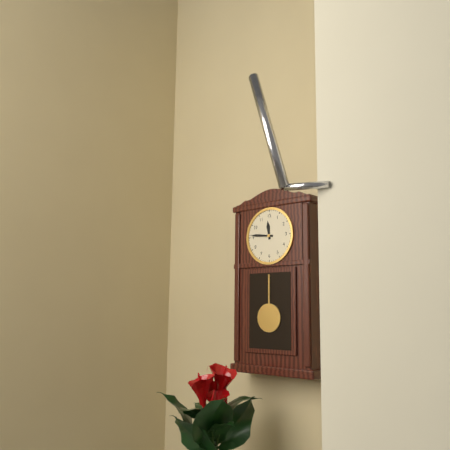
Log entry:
h=11 m=46
